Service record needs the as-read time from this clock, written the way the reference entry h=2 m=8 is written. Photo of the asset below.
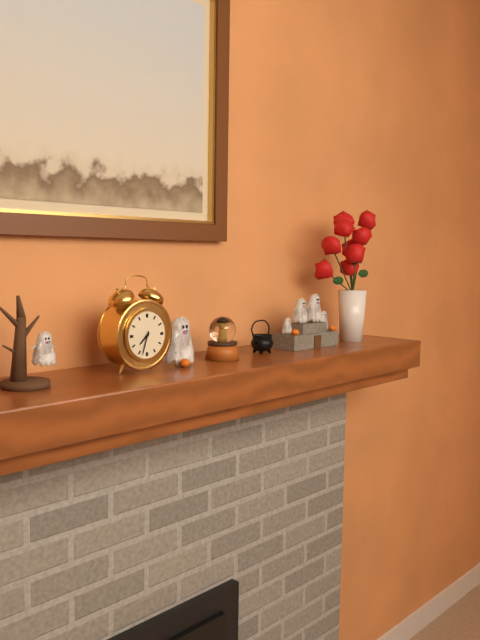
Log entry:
h=7 m=33
